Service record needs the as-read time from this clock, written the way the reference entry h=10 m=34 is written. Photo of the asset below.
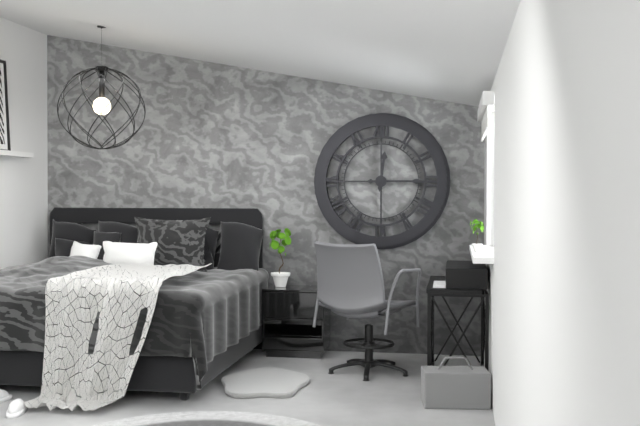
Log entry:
h=12 m=15
